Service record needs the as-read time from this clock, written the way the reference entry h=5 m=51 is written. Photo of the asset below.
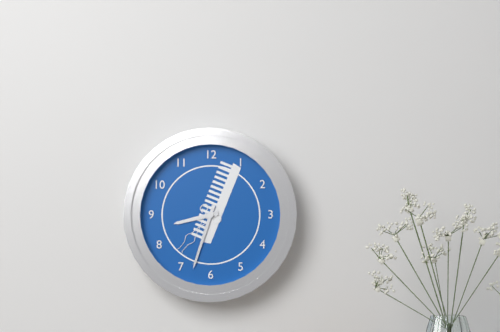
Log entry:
h=8 m=33
